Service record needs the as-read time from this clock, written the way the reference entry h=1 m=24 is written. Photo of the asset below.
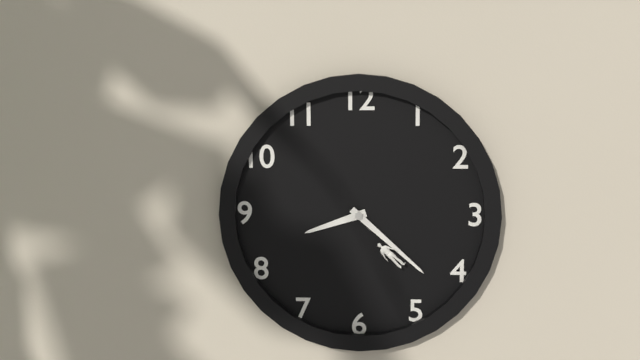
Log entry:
h=8 m=22
